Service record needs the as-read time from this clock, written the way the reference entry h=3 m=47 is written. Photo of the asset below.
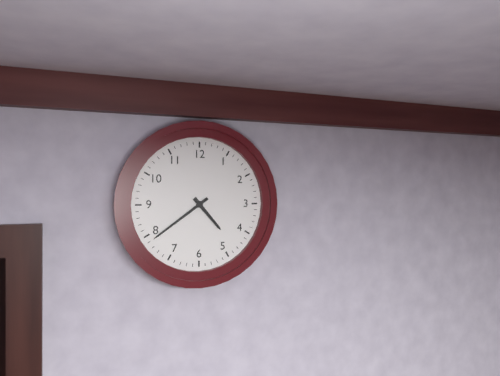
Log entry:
h=4 m=39
